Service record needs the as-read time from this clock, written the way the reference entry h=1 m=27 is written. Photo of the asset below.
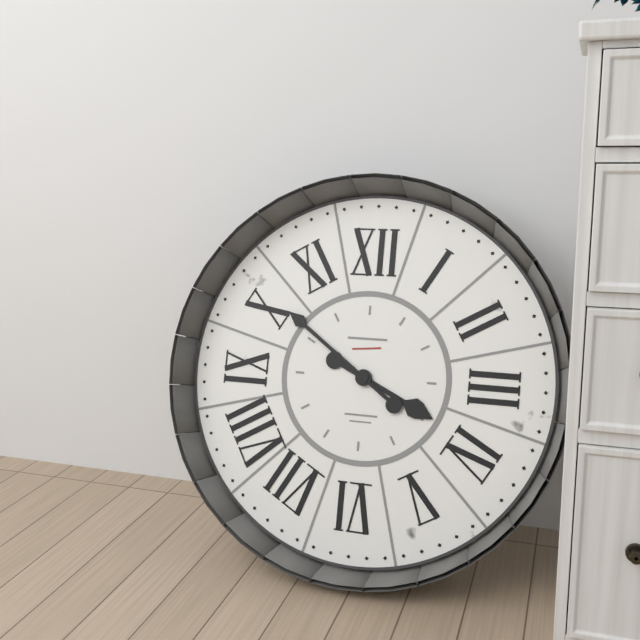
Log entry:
h=3 m=51
